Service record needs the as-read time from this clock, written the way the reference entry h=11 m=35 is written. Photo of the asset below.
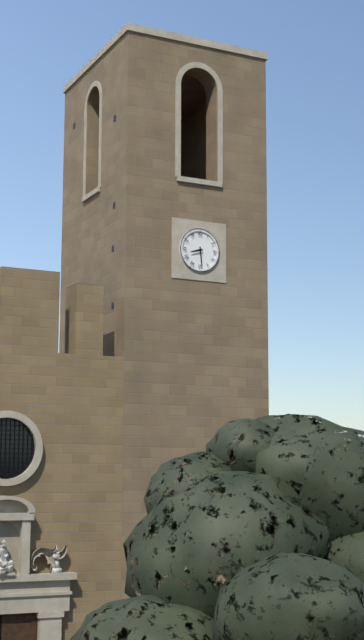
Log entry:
h=8 m=29
